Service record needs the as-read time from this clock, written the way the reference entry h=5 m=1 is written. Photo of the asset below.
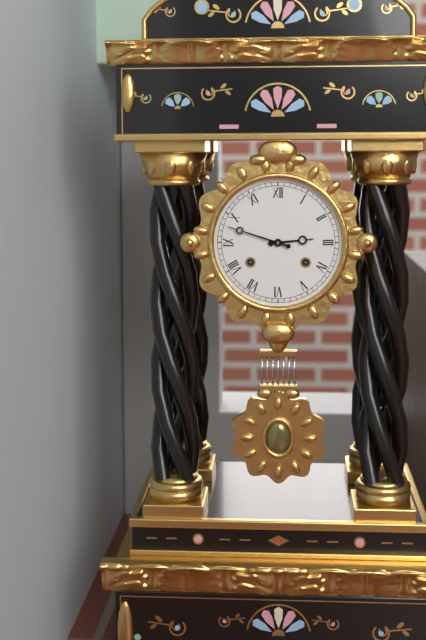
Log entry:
h=2 m=48
